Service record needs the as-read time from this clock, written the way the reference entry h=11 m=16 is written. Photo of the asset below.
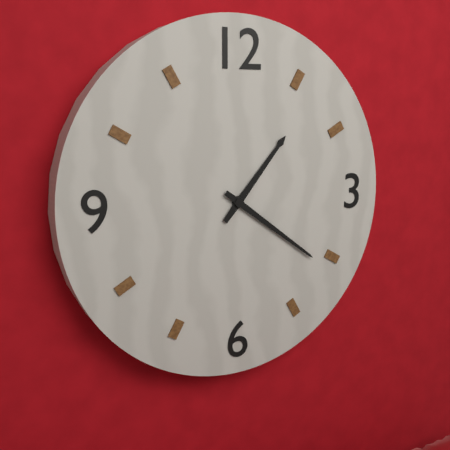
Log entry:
h=1 m=21
